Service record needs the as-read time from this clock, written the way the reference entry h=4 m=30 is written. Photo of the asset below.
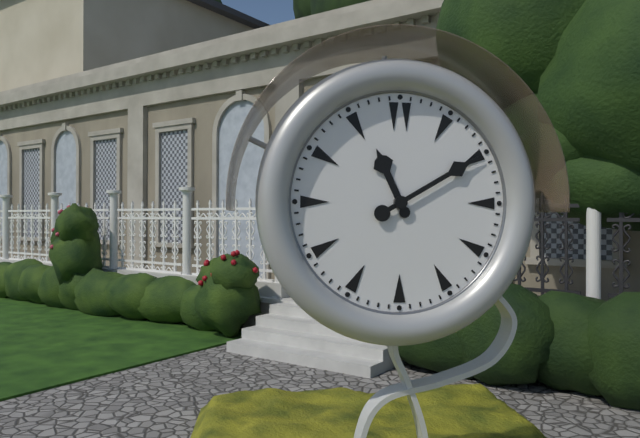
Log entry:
h=11 m=10
